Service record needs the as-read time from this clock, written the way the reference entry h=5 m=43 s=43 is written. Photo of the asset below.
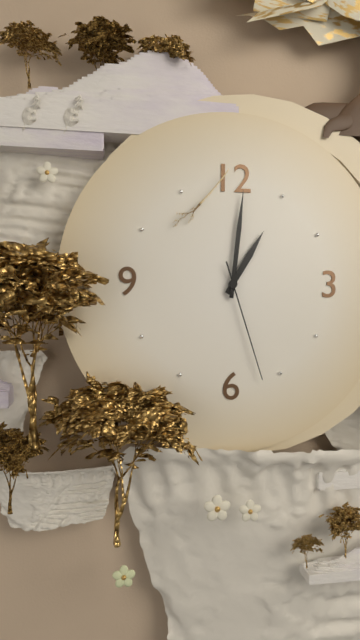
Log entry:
h=1 m=1 s=27
